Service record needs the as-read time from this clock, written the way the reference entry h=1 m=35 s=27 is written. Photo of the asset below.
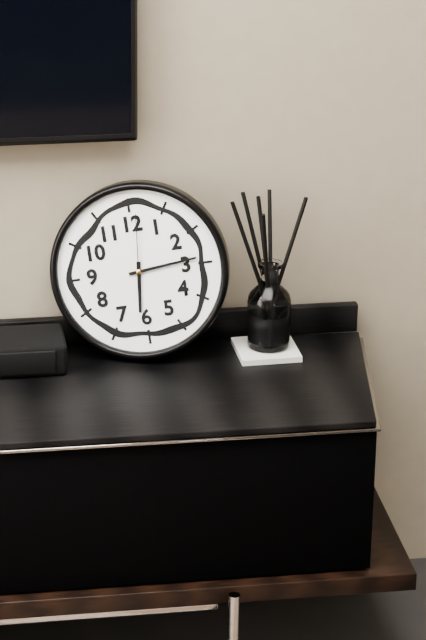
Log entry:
h=6 m=14 s=1
